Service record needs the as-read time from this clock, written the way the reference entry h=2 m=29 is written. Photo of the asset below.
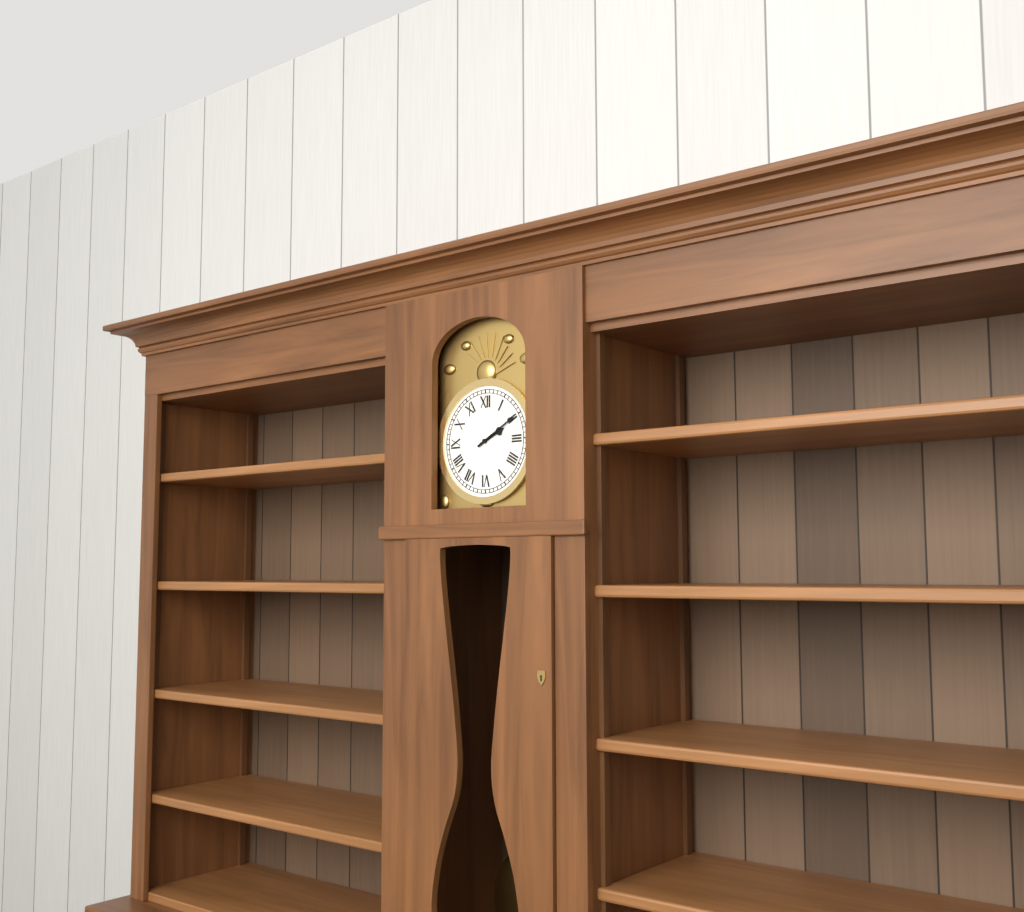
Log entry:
h=2 m=10
